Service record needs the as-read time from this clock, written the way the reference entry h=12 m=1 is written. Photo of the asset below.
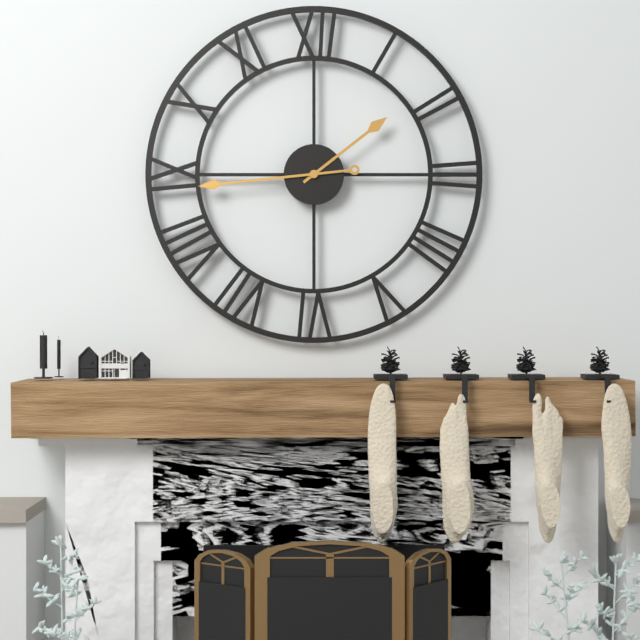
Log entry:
h=1 m=44
